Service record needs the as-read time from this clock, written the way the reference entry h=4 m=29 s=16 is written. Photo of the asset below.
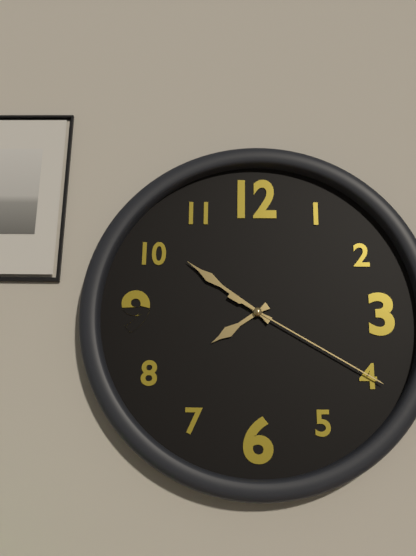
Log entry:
h=7 m=51 s=20
